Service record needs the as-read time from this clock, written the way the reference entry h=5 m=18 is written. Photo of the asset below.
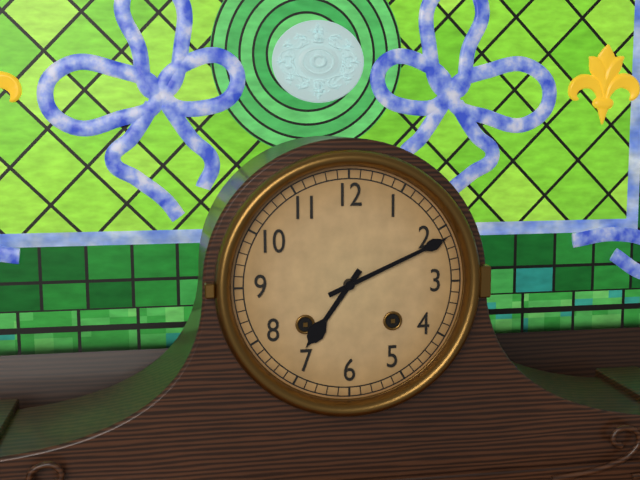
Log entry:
h=7 m=11
